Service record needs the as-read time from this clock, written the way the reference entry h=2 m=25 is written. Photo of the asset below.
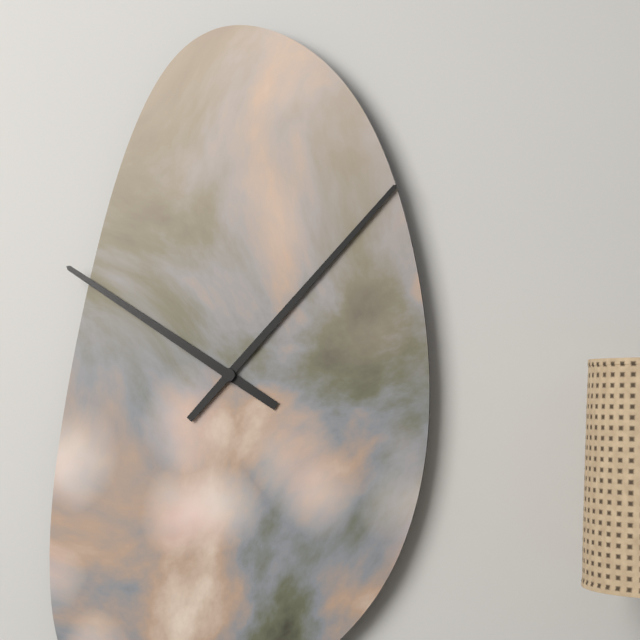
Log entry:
h=10 m=7
